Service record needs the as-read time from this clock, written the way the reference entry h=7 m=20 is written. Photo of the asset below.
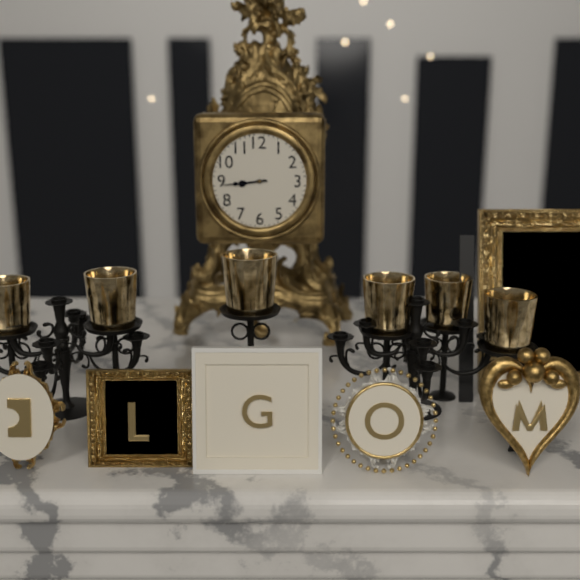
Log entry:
h=8 m=44
